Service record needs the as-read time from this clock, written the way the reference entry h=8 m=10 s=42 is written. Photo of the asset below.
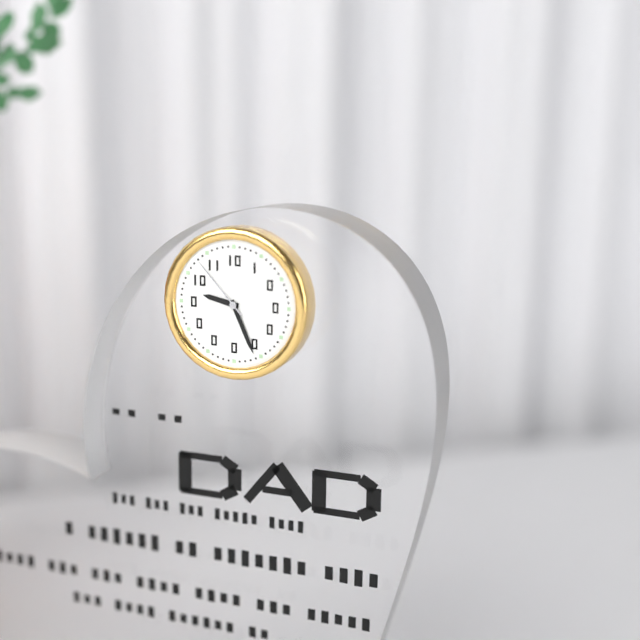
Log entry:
h=9 m=26 s=53
